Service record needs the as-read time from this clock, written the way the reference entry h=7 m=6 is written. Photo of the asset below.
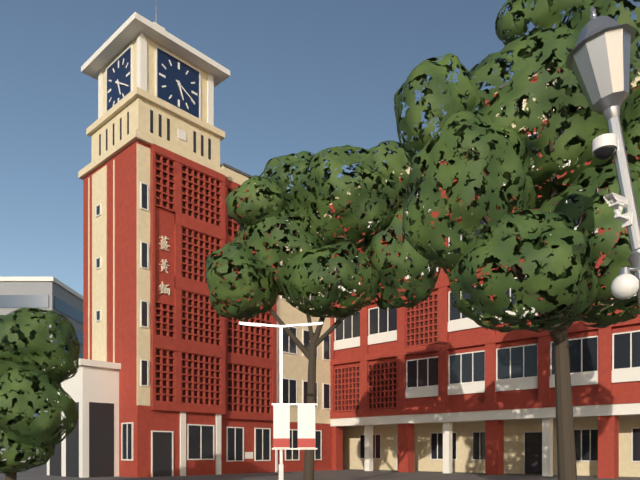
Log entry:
h=5 m=20
